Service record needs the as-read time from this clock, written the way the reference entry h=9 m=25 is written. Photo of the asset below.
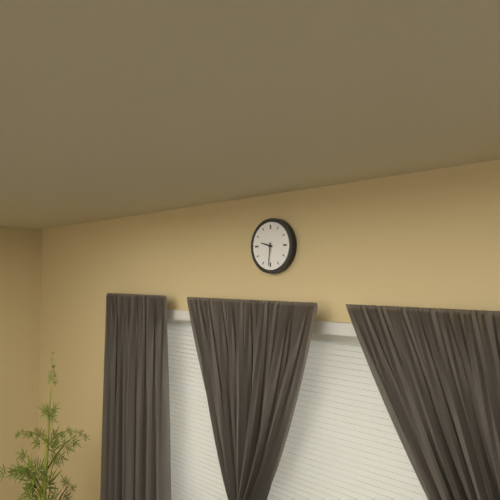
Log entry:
h=9 m=31
